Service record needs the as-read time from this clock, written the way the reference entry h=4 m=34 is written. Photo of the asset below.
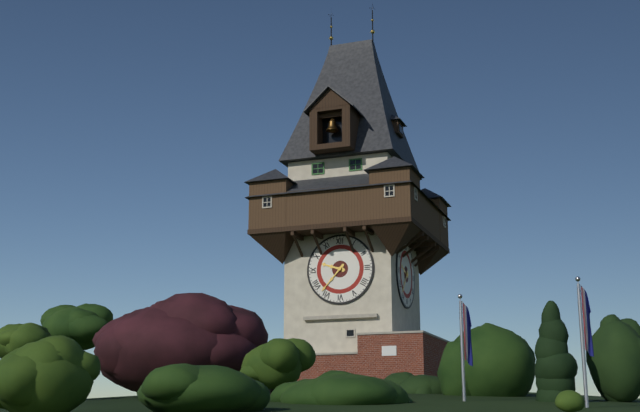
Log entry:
h=9 m=37
